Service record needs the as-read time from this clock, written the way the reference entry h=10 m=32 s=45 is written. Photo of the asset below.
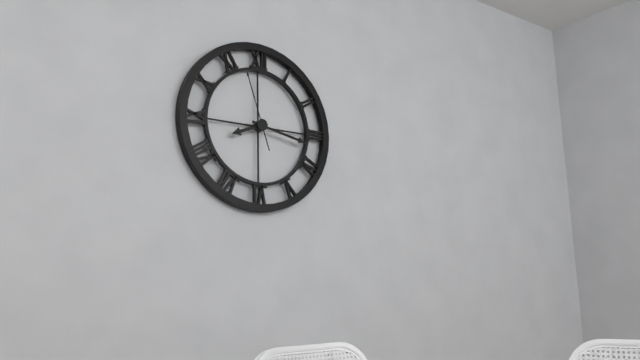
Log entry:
h=8 m=17 s=57
